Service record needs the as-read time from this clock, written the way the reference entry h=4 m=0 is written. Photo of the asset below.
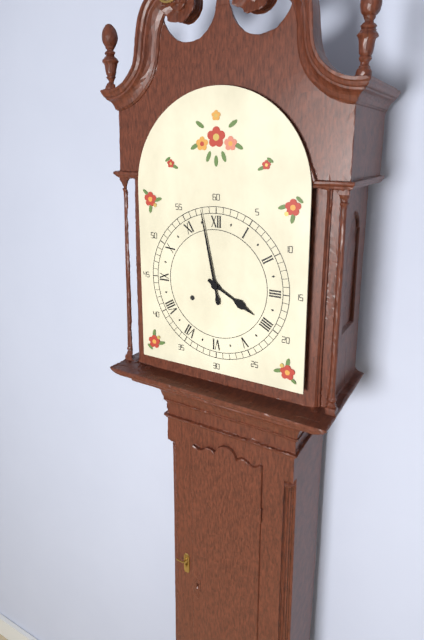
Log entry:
h=3 m=58
